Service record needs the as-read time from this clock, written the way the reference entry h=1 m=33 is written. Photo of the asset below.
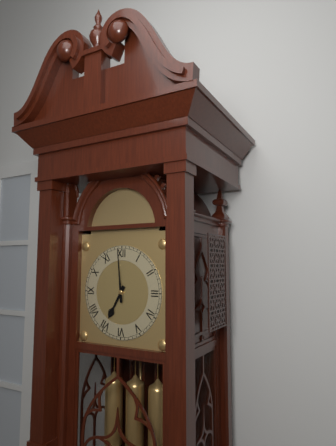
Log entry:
h=6 m=59
